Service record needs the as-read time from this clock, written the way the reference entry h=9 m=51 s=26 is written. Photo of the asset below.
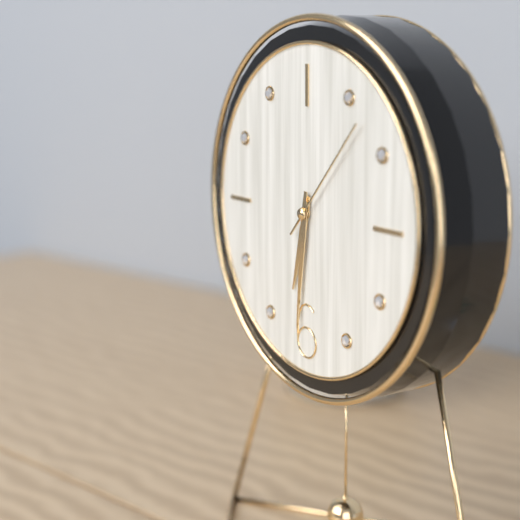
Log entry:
h=6 m=31 s=7
